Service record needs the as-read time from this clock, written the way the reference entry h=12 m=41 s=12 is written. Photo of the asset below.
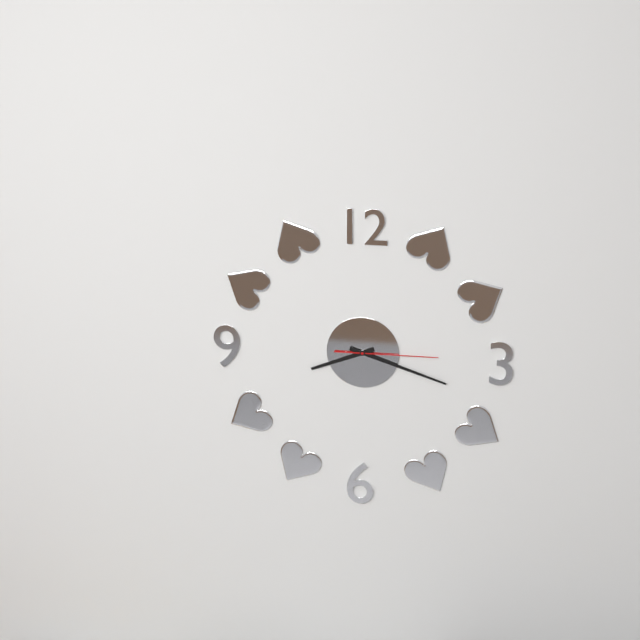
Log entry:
h=8 m=18 s=15
